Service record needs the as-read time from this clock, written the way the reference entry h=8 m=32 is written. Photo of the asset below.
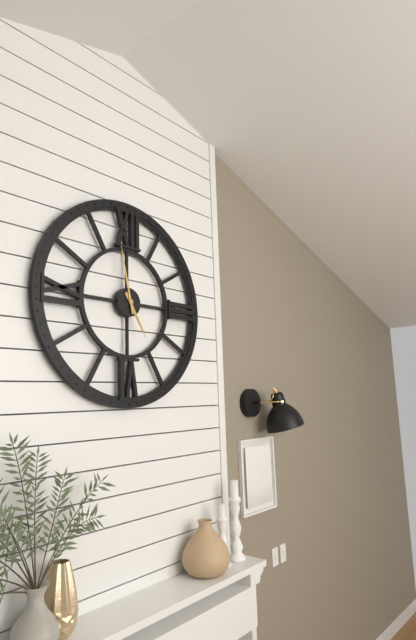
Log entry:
h=4 m=58
